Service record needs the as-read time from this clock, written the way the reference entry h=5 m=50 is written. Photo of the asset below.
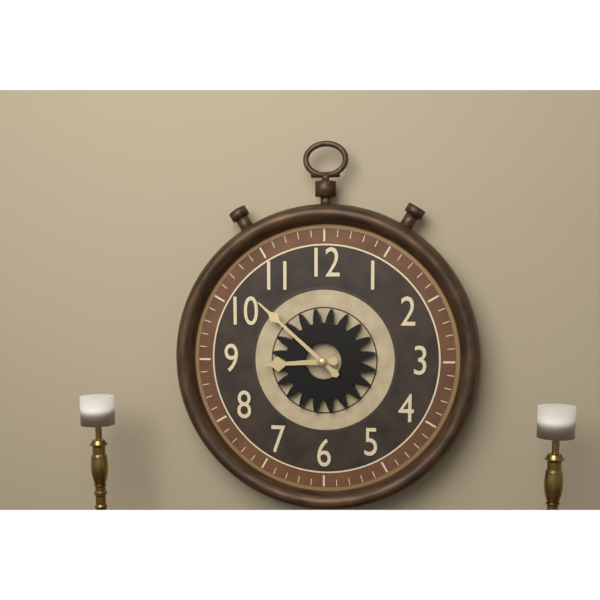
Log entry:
h=8 m=52
